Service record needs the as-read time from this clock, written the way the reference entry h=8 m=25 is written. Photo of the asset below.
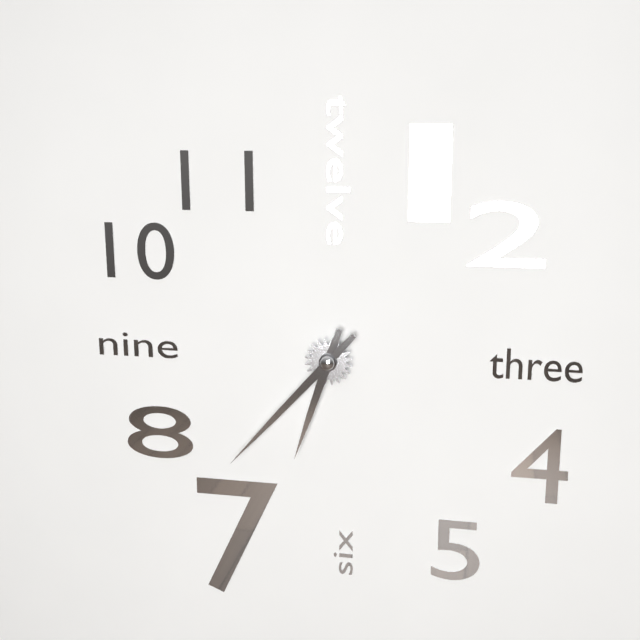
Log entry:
h=6 m=37
